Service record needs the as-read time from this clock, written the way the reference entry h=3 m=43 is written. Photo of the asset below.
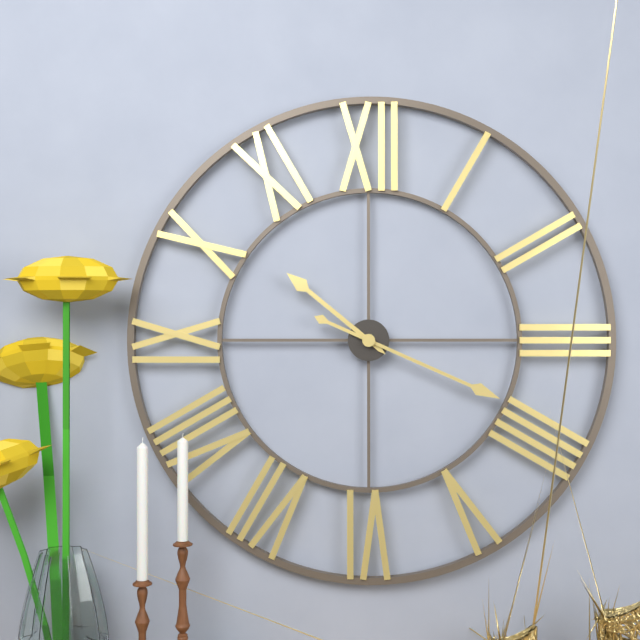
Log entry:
h=10 m=19
